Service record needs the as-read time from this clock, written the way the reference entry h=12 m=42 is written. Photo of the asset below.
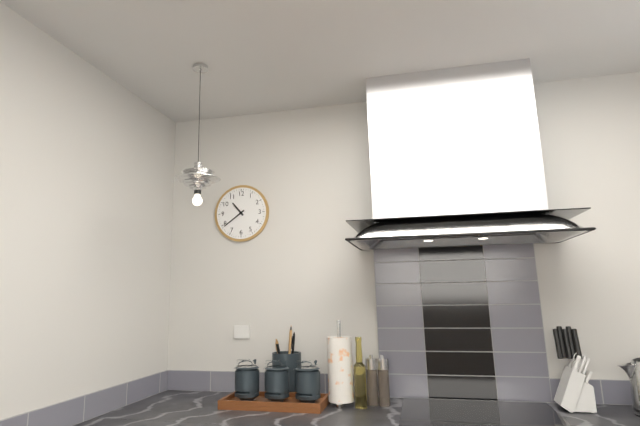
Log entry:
h=10 m=39
